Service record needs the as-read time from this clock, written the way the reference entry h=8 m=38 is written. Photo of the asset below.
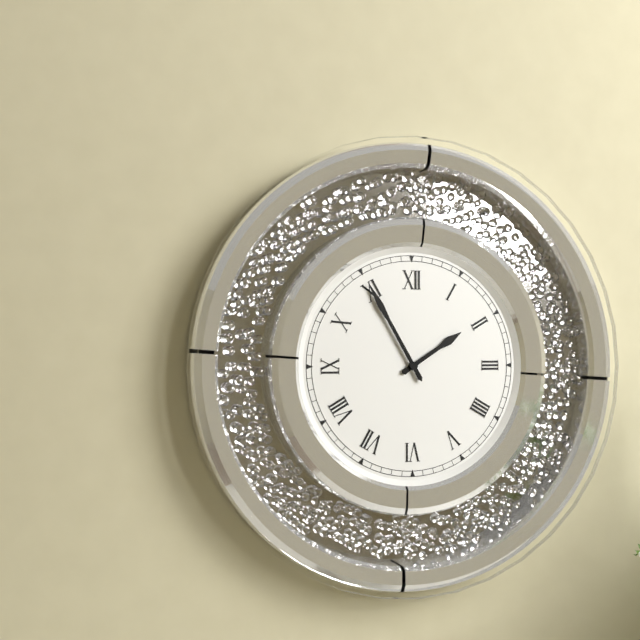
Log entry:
h=1 m=55
